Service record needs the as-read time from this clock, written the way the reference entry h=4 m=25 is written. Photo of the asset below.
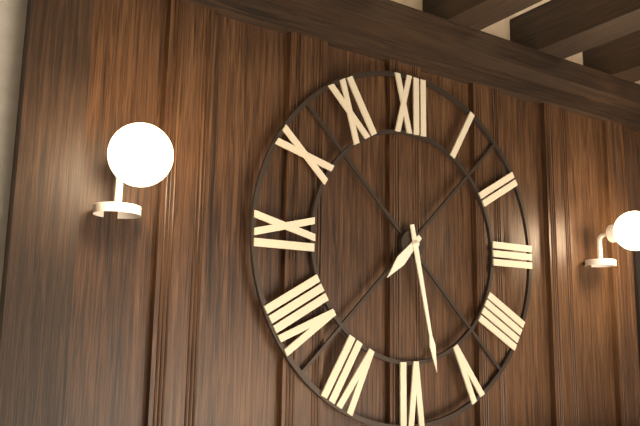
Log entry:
h=7 m=28
